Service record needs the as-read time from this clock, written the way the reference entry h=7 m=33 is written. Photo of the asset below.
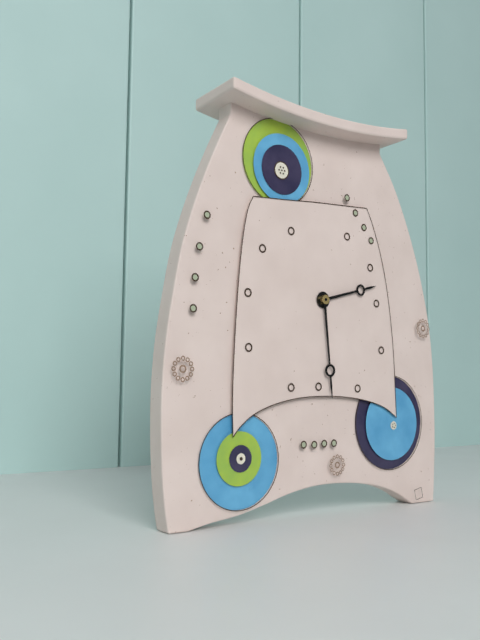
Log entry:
h=2 m=29
